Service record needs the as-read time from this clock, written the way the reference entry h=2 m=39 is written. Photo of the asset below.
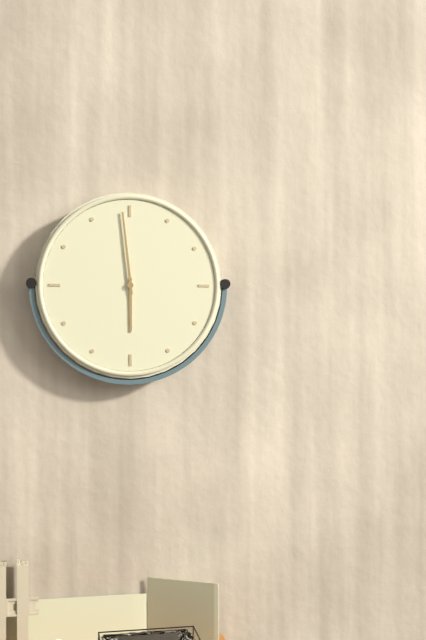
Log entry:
h=5 m=59
